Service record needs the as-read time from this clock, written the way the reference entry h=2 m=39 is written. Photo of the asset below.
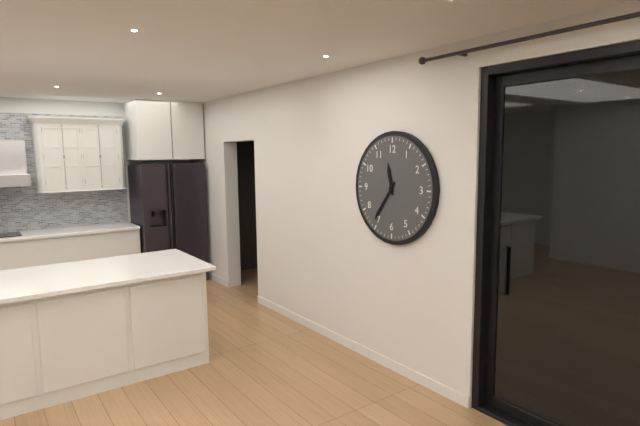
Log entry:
h=11 m=36
